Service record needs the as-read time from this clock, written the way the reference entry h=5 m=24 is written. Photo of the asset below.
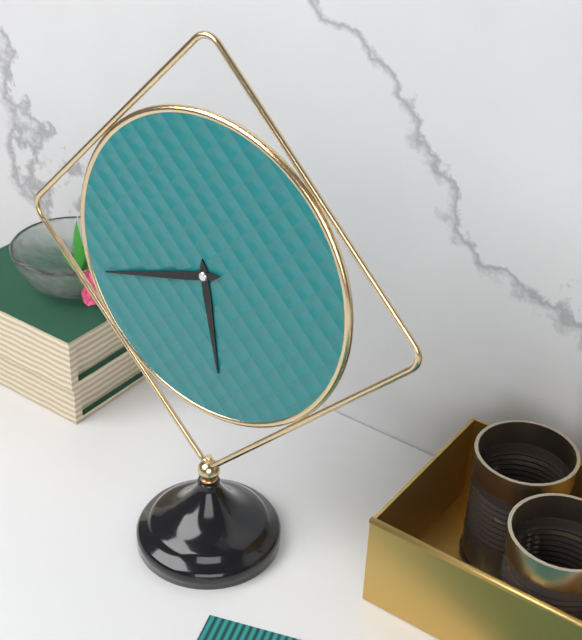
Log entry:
h=5 m=42
